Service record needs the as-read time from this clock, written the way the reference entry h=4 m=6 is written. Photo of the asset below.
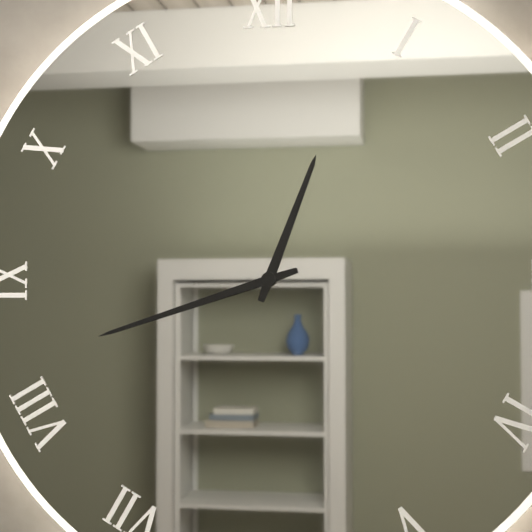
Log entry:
h=12 m=42
